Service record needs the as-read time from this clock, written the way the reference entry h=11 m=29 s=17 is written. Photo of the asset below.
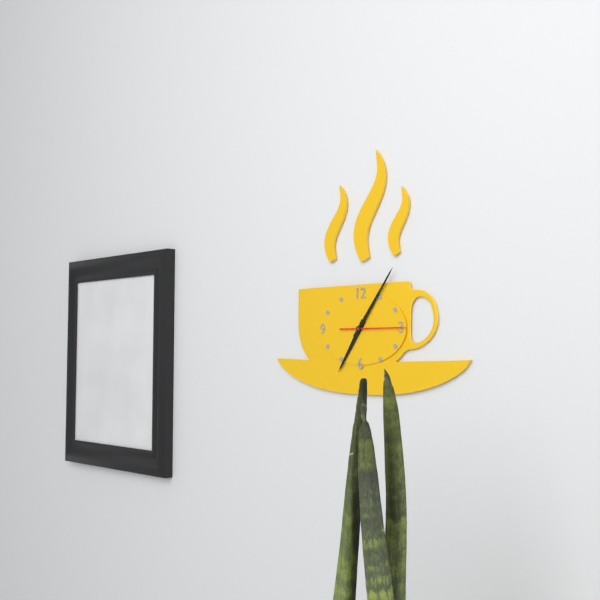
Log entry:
h=7 m=6 s=15
